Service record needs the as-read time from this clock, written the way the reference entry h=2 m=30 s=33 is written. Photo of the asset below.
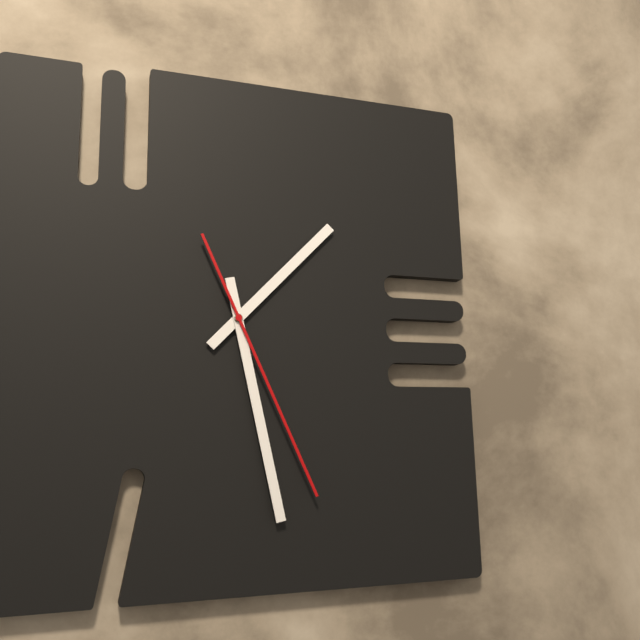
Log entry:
h=1 m=28 s=26
